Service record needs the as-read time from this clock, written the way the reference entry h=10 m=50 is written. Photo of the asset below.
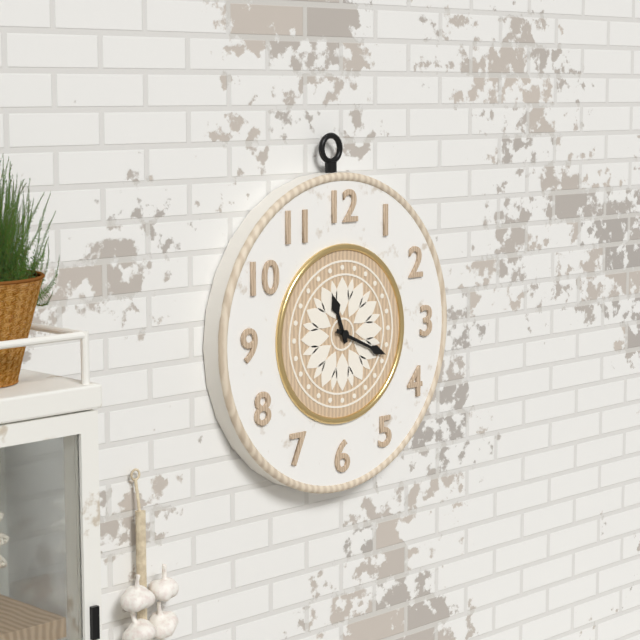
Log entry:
h=11 m=19
